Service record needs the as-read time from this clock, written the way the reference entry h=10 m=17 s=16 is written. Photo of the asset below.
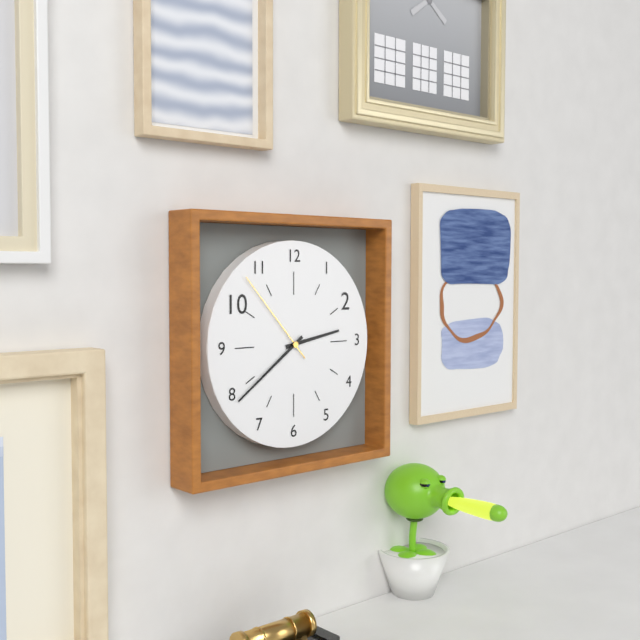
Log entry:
h=2 m=39 s=53
